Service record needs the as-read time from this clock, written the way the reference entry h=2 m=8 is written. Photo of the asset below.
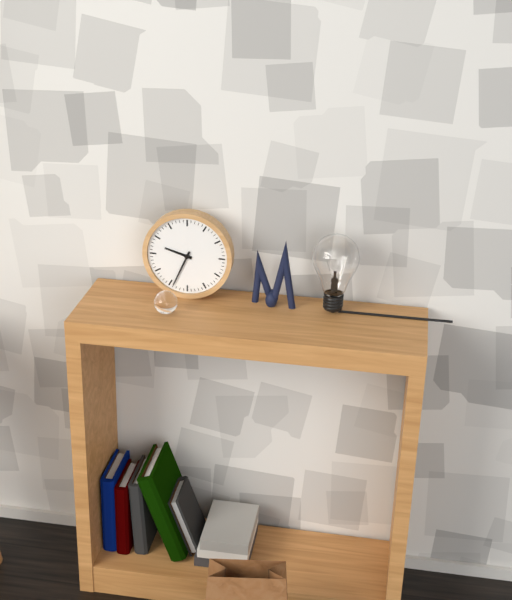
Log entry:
h=9 m=34
